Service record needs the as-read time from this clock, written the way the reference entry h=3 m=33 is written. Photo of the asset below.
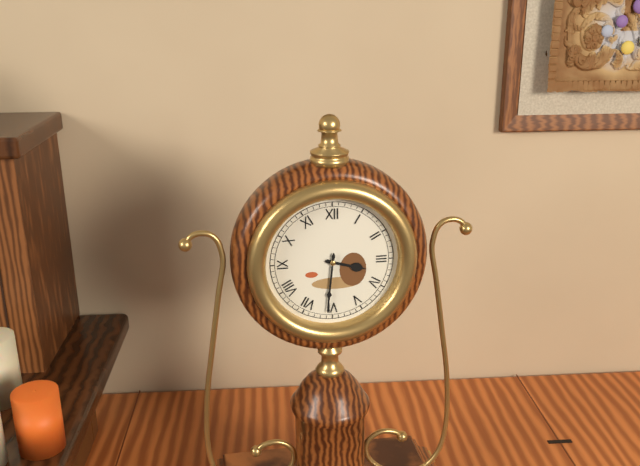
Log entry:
h=3 m=31
